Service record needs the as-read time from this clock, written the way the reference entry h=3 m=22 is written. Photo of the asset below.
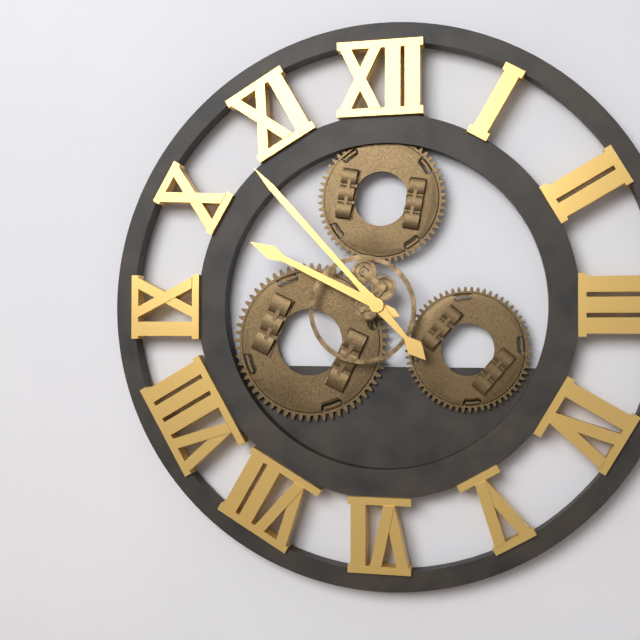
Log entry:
h=9 m=53
